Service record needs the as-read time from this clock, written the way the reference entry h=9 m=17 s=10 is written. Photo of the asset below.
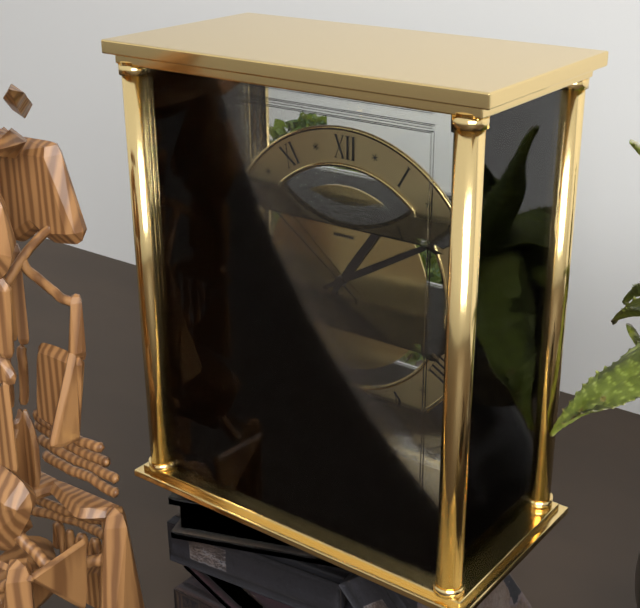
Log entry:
h=1 m=10 s=51
